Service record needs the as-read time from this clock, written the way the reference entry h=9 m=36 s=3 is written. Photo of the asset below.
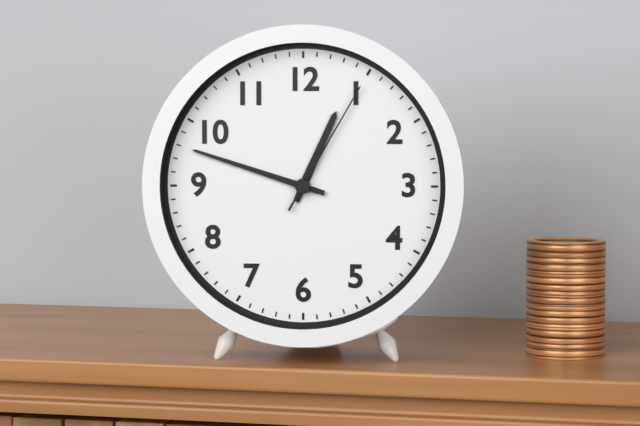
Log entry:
h=12 m=48 s=5
